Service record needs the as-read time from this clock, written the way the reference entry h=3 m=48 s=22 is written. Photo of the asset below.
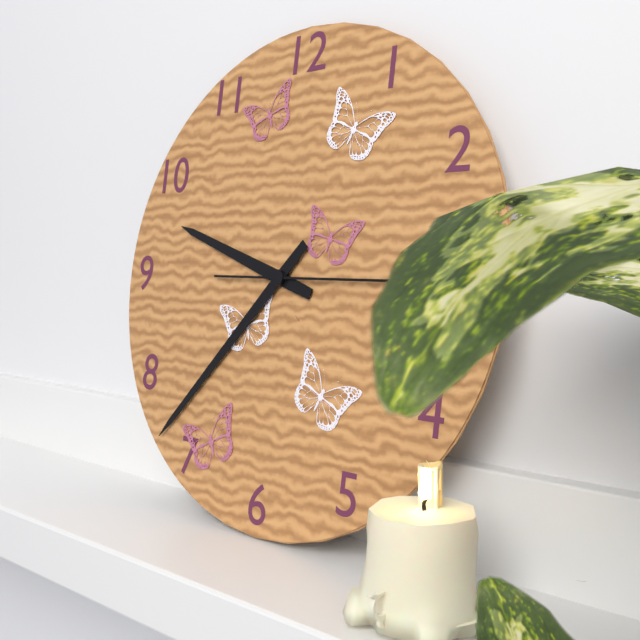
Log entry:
h=9 m=37 s=15
